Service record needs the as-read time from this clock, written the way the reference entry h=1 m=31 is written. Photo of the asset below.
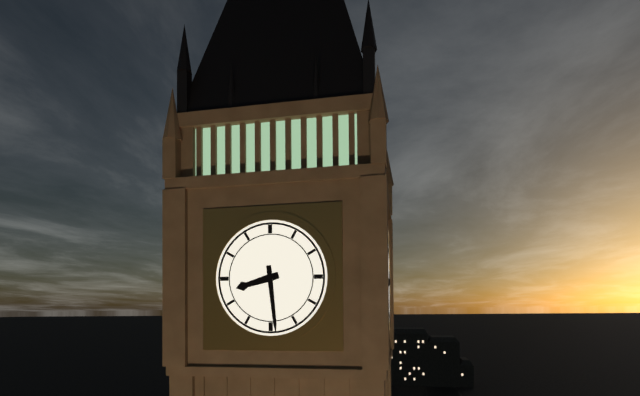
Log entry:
h=8 m=29
